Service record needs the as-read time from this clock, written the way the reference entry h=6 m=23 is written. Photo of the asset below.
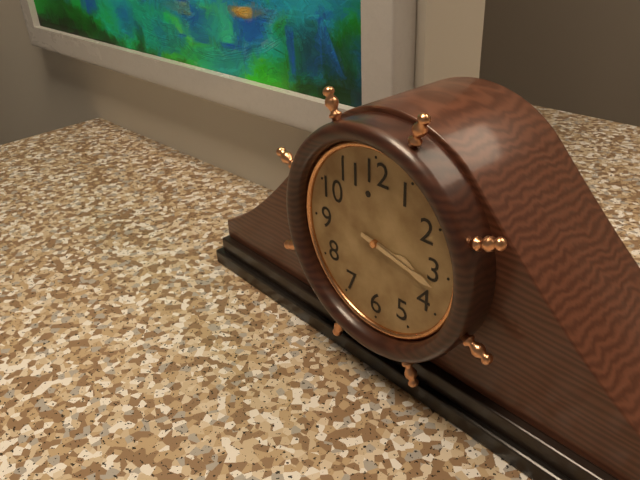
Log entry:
h=3 m=17
